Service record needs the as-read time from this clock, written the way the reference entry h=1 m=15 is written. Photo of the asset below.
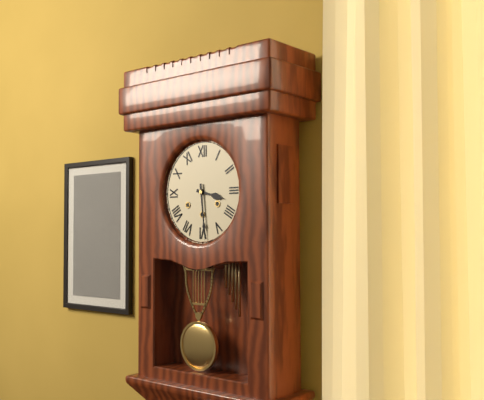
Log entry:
h=3 m=29
